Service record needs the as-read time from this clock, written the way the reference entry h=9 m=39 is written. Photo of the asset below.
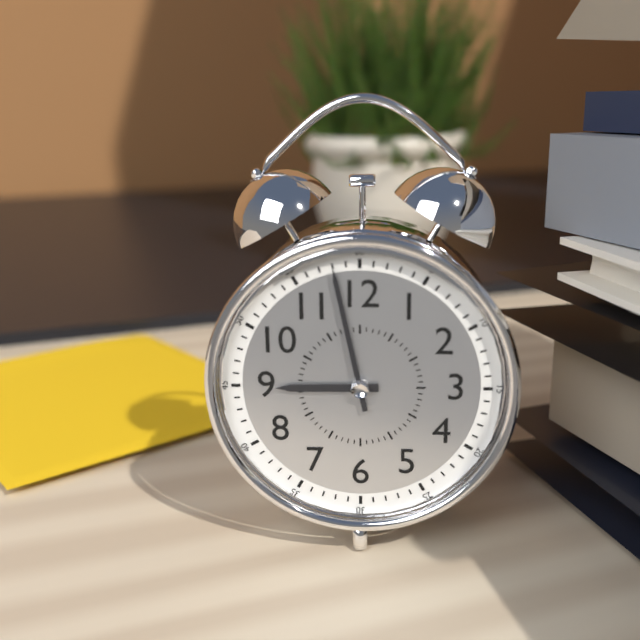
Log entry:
h=8 m=58
